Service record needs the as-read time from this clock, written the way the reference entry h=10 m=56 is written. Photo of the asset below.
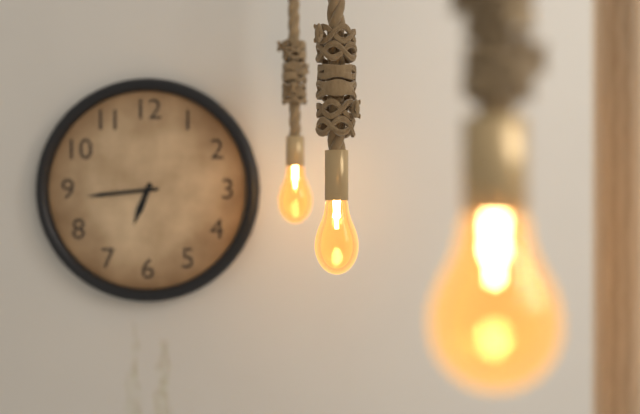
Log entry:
h=6 m=44
